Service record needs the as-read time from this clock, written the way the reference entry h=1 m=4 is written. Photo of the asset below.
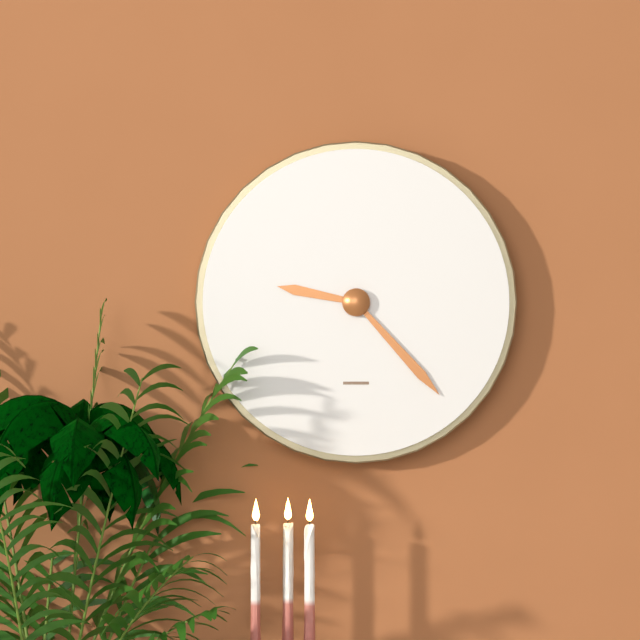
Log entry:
h=9 m=23
